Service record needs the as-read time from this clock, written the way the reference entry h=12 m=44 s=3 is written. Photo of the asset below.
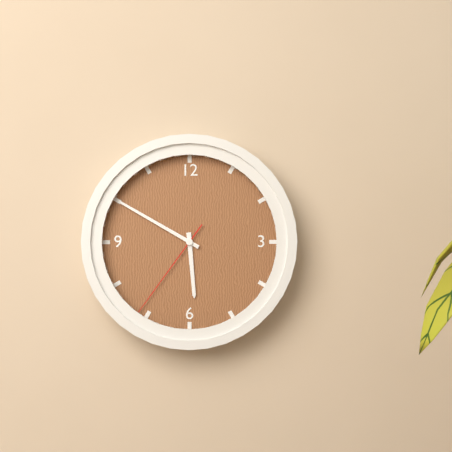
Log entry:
h=5 m=50 s=36
